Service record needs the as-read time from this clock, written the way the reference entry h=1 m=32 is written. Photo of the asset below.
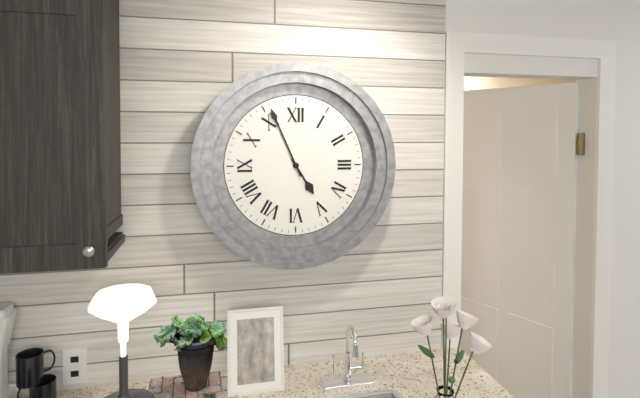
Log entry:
h=4 m=56
